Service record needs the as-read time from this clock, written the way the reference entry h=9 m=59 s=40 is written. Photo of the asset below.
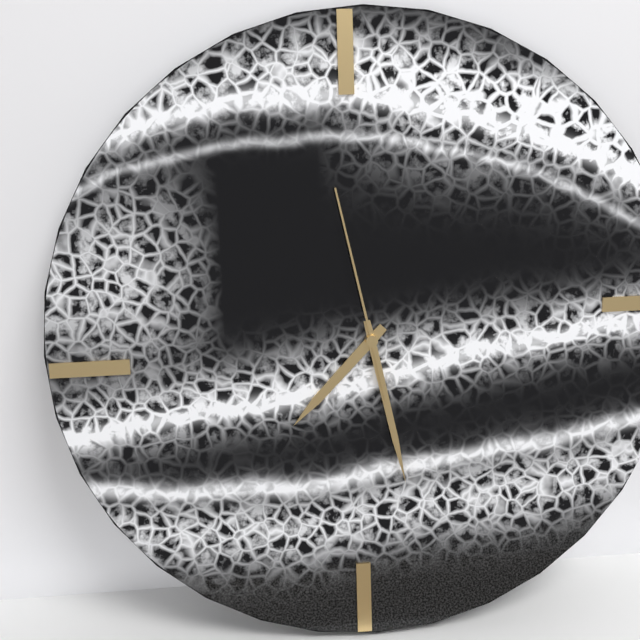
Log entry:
h=7 m=28 s=58
